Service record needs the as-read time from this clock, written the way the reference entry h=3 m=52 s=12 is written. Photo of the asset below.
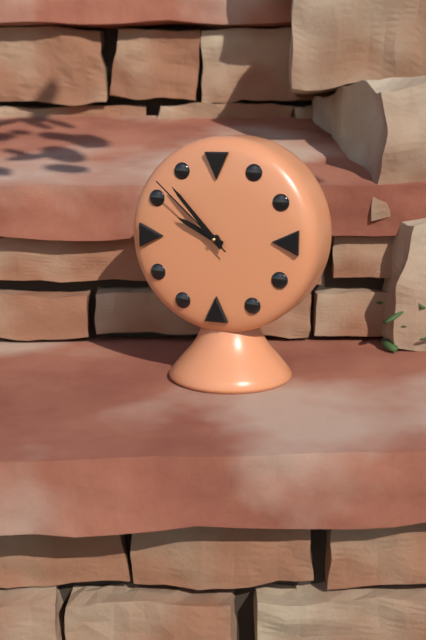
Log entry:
h=9 m=53 s=52
